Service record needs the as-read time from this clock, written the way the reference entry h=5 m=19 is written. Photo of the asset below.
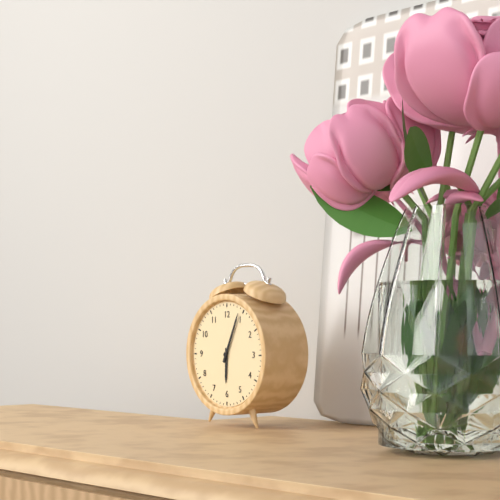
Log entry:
h=6 m=4
